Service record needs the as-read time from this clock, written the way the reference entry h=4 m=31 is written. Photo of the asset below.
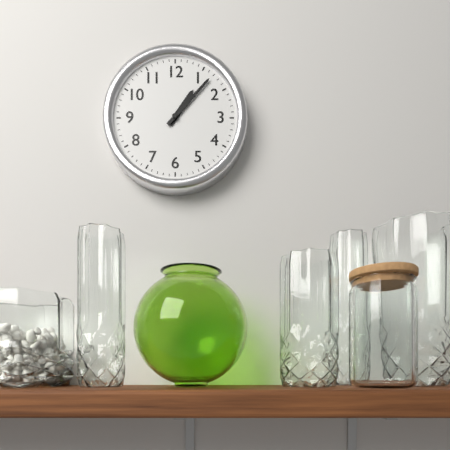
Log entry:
h=1 m=7
